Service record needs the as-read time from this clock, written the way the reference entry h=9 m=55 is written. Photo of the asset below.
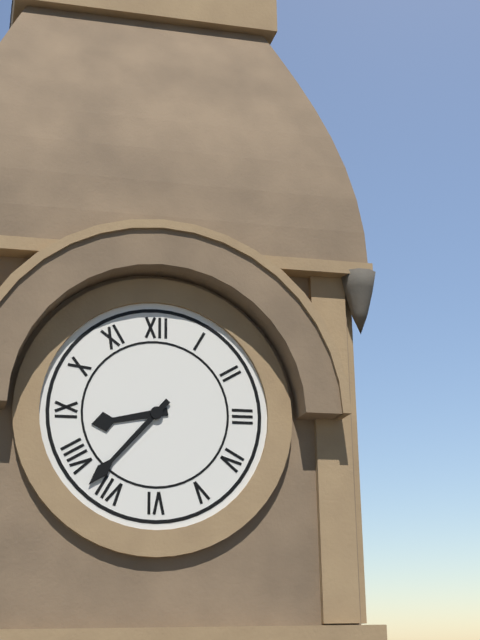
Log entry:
h=8 m=37
